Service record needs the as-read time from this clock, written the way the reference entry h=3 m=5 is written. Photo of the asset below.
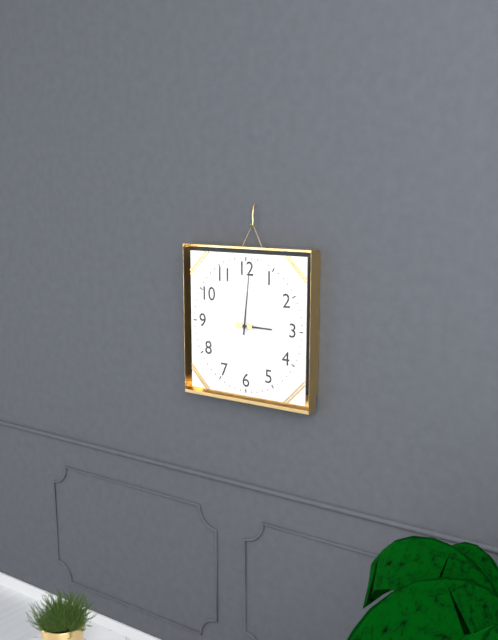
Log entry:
h=3 m=1
